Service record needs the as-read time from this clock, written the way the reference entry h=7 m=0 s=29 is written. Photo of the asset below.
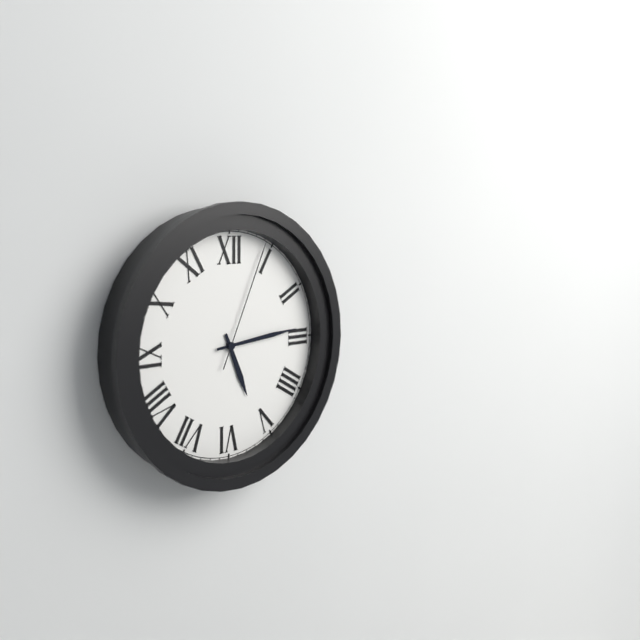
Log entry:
h=5 m=14 s=4
